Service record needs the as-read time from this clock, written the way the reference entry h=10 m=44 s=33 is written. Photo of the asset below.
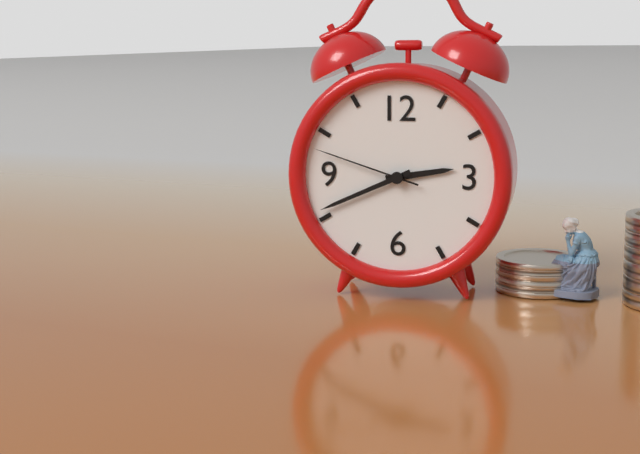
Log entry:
h=2 m=41 s=48
